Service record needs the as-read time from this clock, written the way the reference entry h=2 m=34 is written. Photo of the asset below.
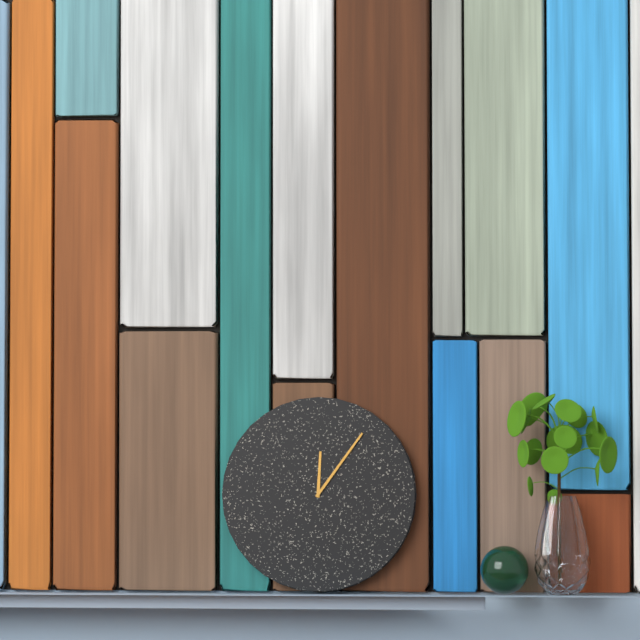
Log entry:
h=12 m=6
